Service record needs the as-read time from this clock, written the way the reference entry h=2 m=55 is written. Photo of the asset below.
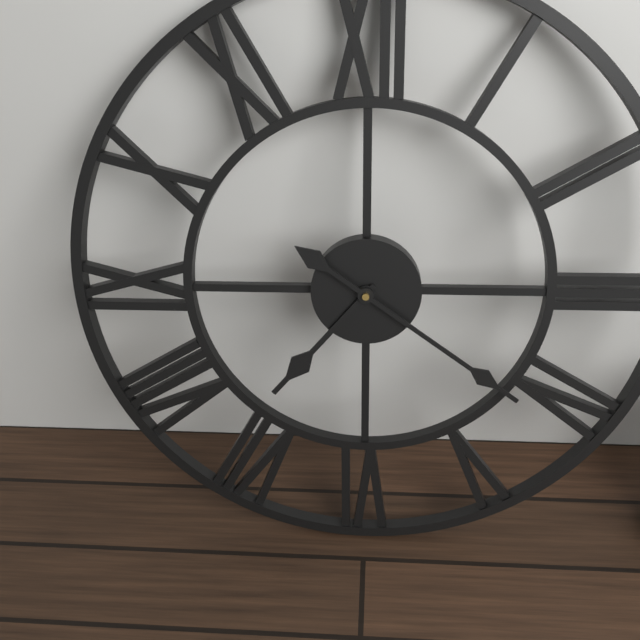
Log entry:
h=7 m=21
